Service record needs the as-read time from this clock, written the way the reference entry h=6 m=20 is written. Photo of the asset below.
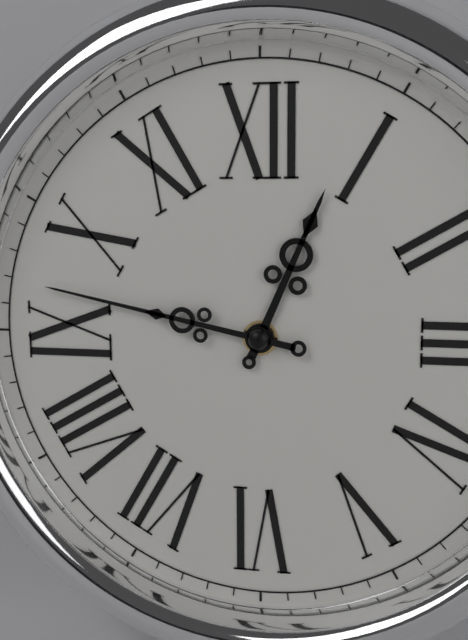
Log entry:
h=12 m=47
